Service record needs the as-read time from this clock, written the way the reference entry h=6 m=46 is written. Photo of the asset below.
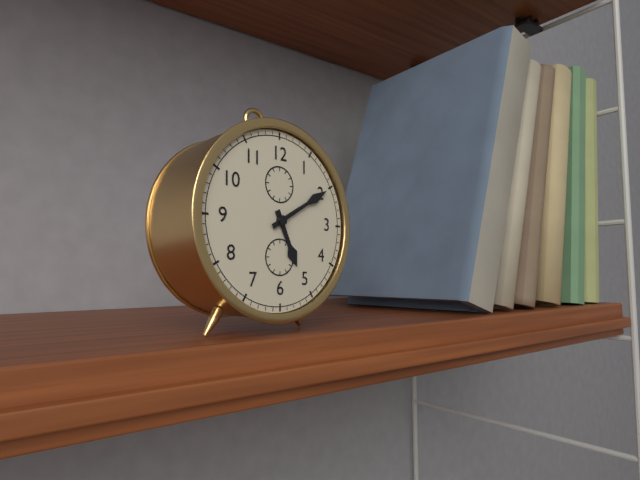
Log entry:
h=5 m=10
